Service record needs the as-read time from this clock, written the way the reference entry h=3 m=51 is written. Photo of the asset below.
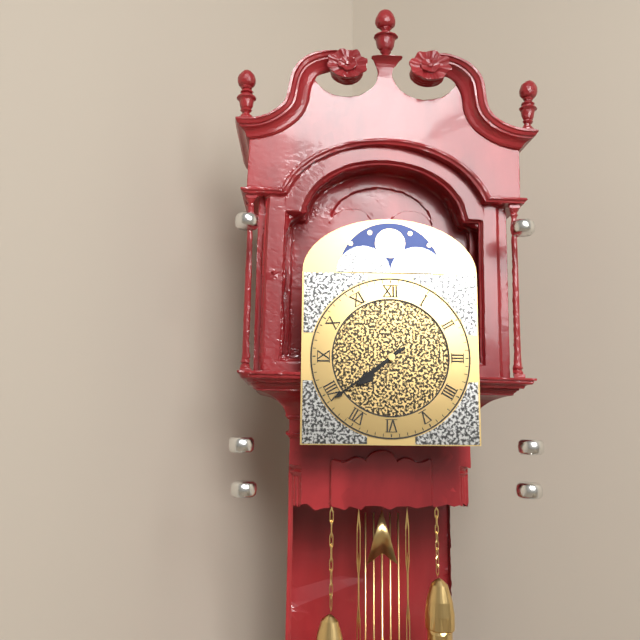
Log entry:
h=7 m=39
